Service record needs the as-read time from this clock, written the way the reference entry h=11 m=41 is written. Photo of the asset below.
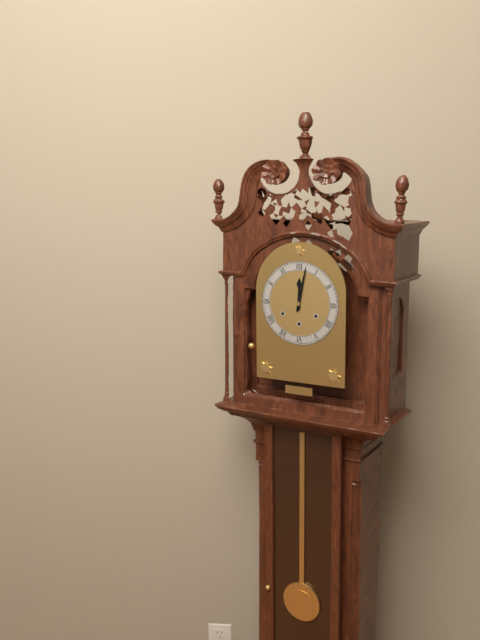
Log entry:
h=12 m=2
